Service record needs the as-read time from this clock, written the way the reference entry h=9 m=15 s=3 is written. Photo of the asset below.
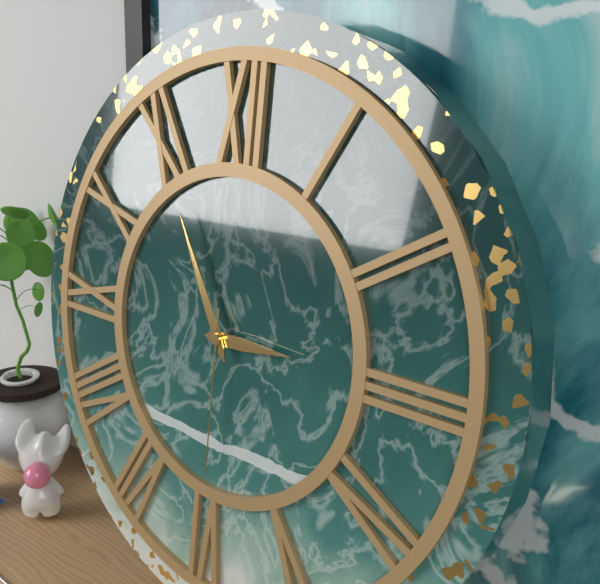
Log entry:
h=2 m=55 s=30
